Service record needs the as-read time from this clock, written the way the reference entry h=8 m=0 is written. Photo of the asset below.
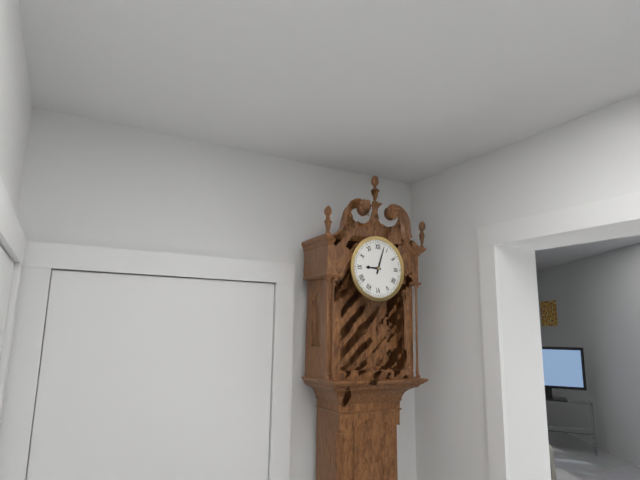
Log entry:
h=9 m=3
